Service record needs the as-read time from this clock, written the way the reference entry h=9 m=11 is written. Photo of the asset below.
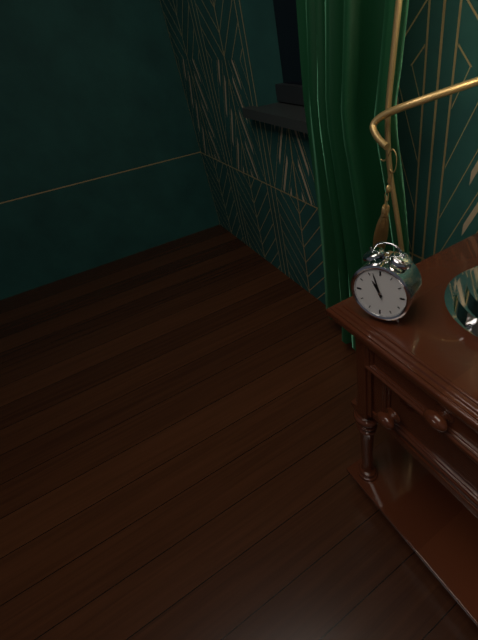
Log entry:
h=10 m=57
